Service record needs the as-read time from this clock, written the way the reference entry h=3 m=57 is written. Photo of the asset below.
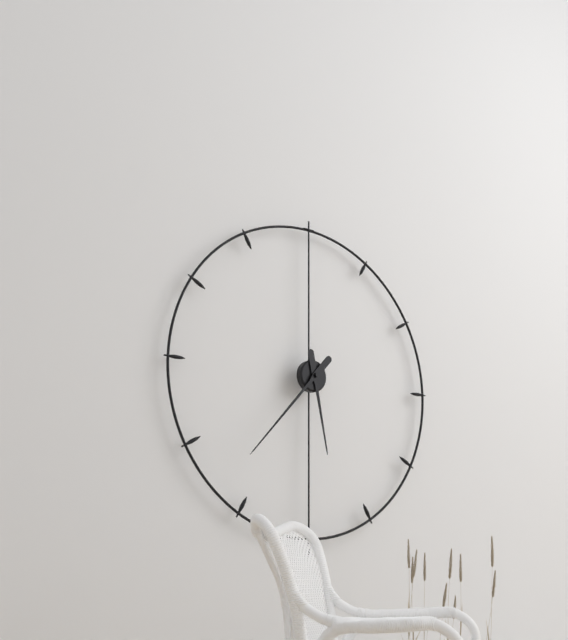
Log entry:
h=5 m=37
